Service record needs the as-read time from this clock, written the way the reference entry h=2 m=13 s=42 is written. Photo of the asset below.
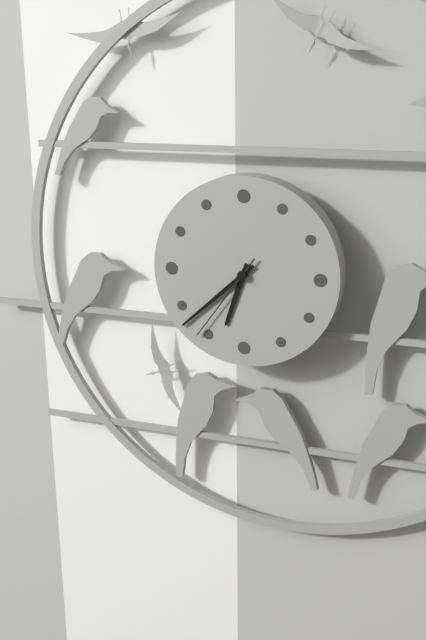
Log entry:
h=6 m=38 s=36
